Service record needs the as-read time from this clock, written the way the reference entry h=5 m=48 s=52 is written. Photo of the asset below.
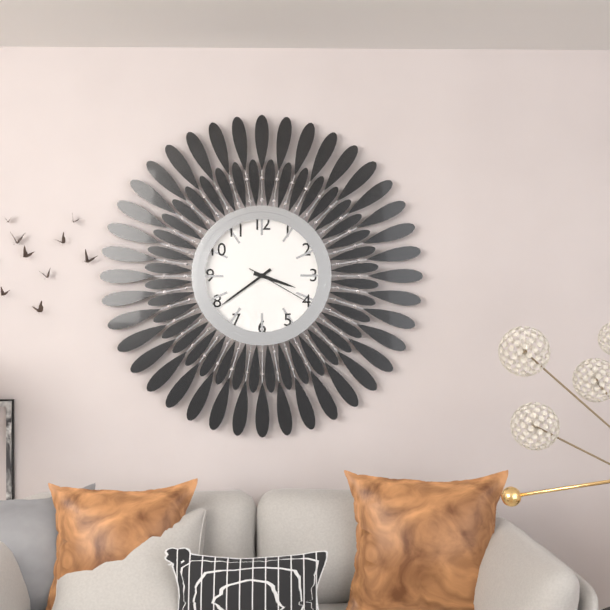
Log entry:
h=3 m=39 s=20
